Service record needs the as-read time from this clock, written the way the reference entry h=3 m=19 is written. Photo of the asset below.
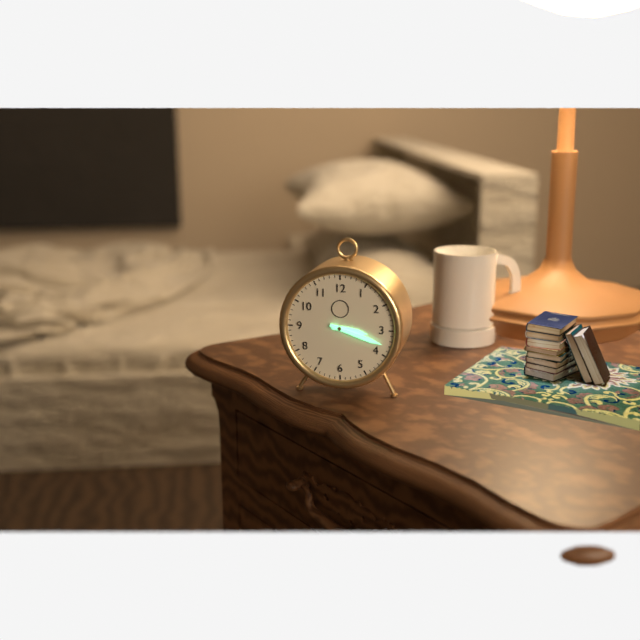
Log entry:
h=3 m=18
